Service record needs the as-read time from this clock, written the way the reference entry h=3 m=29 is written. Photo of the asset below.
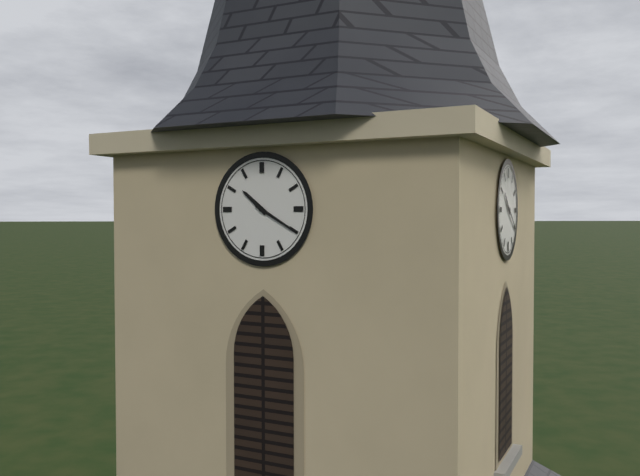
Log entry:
h=10 m=20
